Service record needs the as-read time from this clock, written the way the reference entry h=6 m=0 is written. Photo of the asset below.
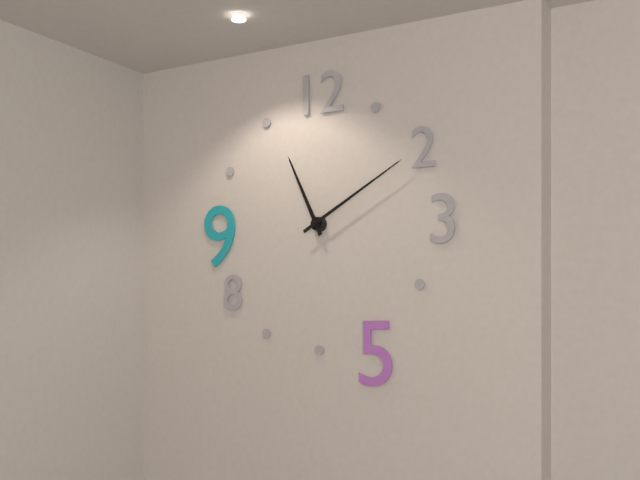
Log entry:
h=11 m=10
